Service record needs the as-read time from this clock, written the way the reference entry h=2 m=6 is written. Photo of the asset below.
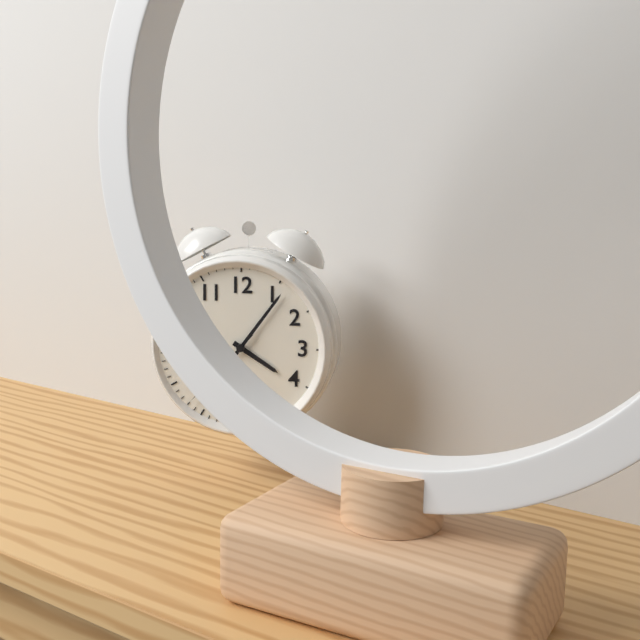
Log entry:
h=4 m=6
